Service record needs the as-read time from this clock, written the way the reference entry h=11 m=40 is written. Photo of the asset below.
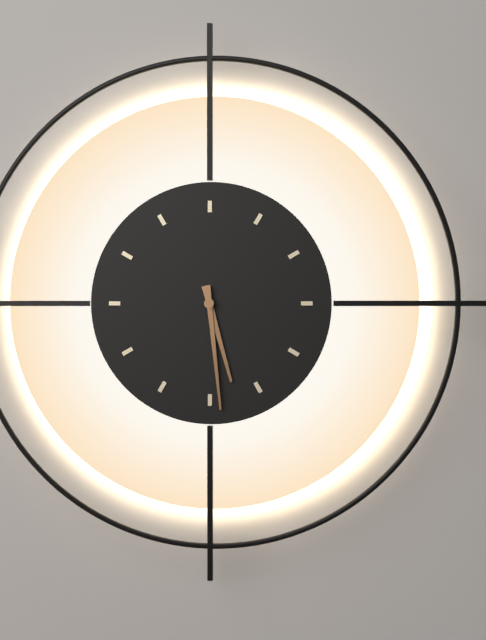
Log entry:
h=5 m=29
